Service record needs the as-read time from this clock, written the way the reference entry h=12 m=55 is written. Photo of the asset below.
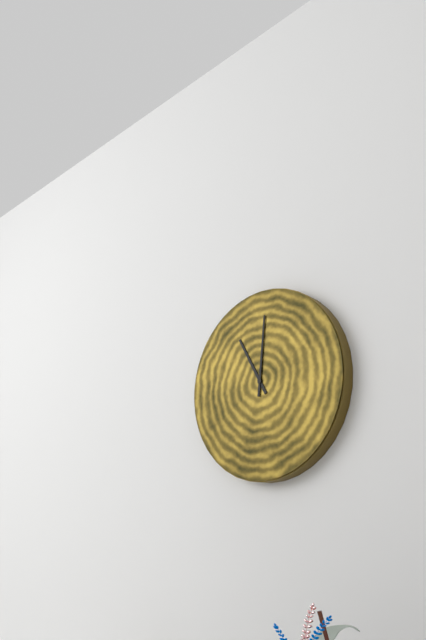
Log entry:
h=11 m=1
